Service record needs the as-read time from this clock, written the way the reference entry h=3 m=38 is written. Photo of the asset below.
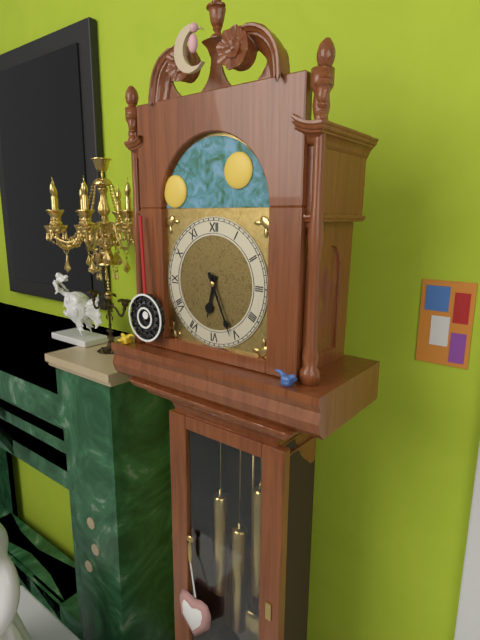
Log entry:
h=6 m=26
